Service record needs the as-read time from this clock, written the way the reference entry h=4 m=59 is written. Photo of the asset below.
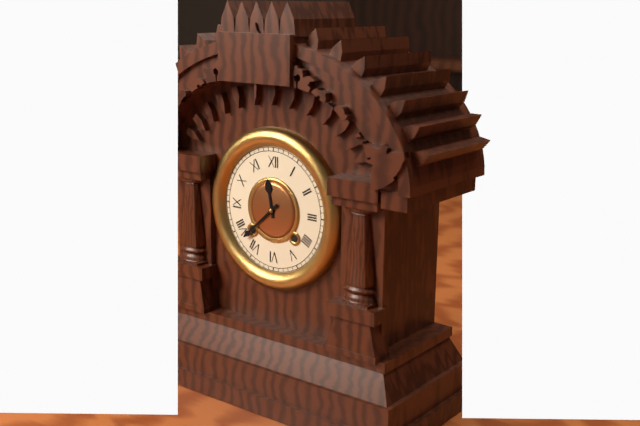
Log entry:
h=11 m=38
